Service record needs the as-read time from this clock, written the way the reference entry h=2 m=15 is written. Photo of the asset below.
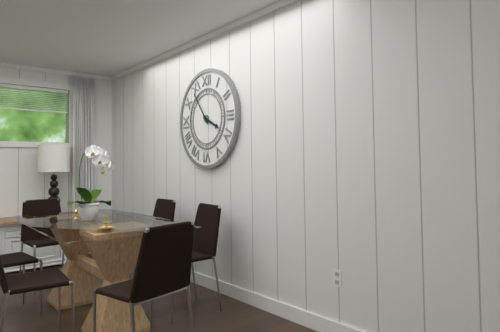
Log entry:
h=3 m=54
